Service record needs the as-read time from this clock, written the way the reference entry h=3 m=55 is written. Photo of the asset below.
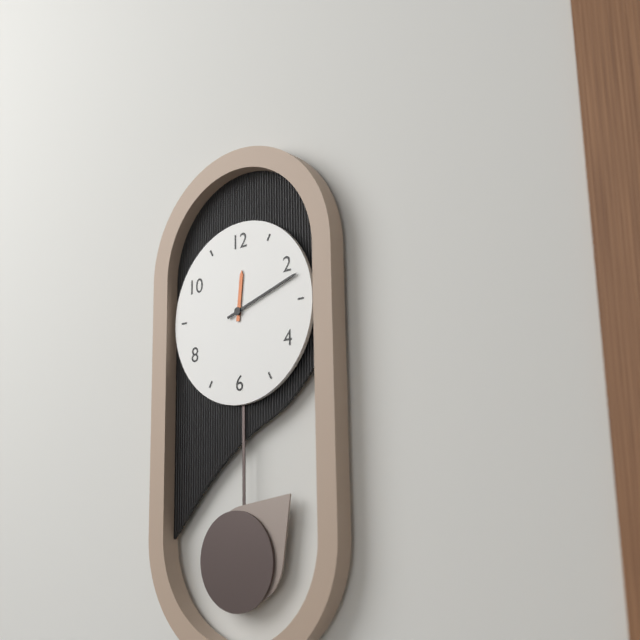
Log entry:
h=12 m=12
